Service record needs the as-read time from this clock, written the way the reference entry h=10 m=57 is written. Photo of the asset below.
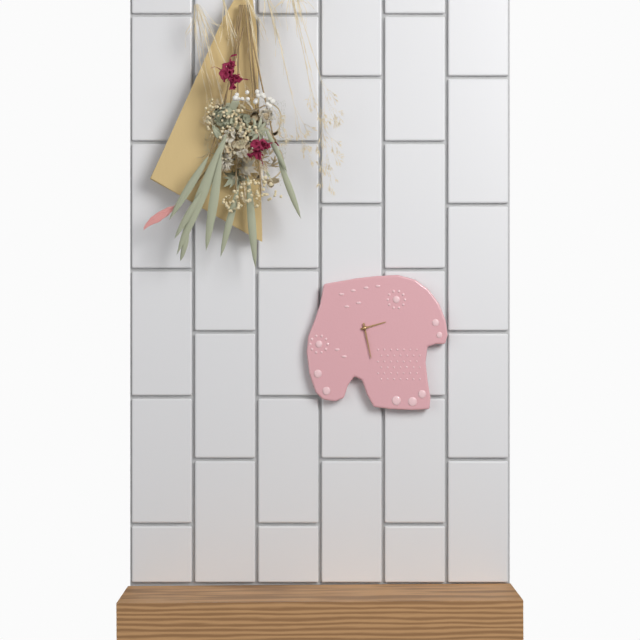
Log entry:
h=2 m=28
